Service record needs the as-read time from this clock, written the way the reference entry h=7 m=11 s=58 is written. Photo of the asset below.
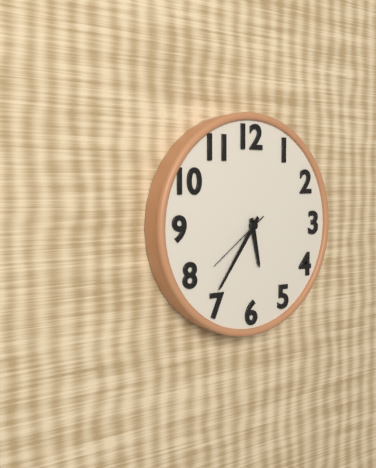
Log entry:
h=5 m=36 s=39
